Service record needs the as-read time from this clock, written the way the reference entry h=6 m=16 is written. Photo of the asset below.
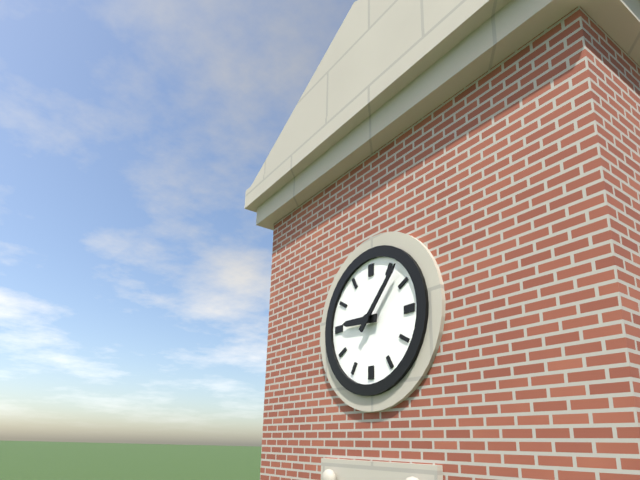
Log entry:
h=9 m=7
